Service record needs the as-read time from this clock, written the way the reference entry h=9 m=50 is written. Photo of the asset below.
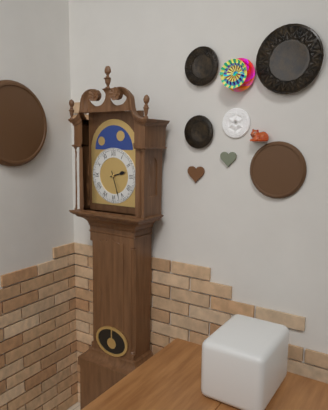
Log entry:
h=2 m=27
